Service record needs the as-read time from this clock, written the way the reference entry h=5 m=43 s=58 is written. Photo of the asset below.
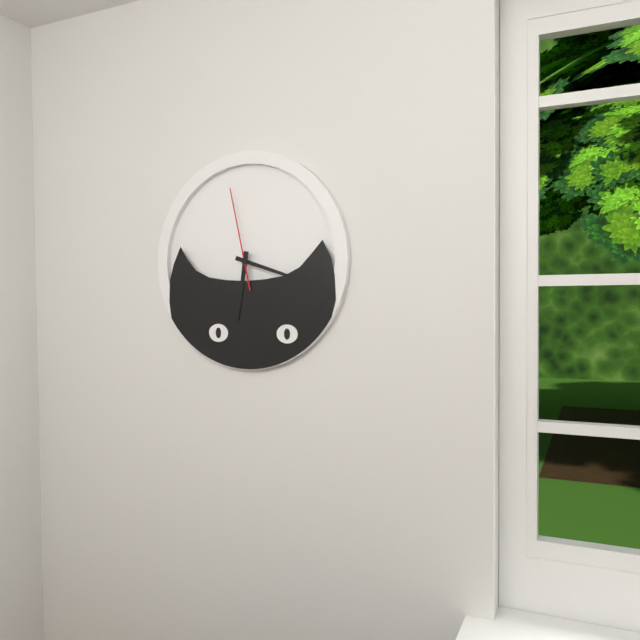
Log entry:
h=6 m=18 s=58
